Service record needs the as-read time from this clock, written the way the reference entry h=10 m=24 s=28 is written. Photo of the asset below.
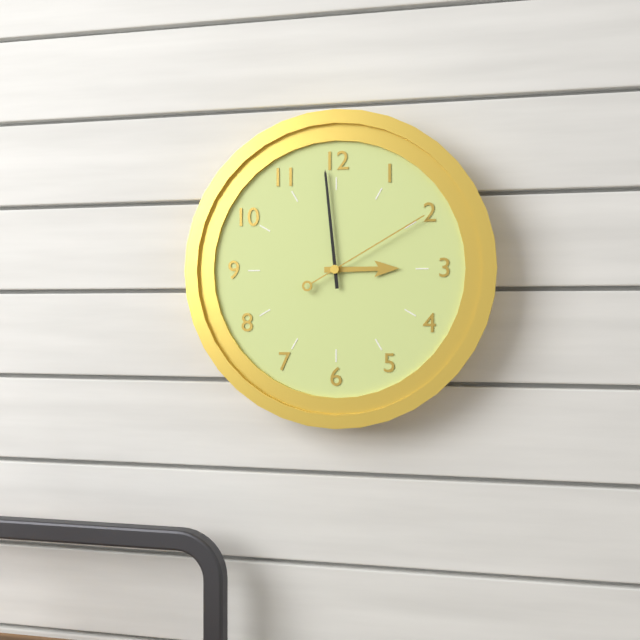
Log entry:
h=2 m=59 s=10
